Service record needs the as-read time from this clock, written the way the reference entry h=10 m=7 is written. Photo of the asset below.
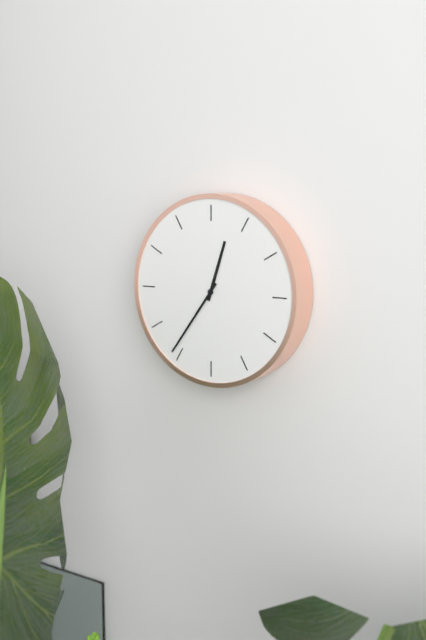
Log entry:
h=12 m=36
